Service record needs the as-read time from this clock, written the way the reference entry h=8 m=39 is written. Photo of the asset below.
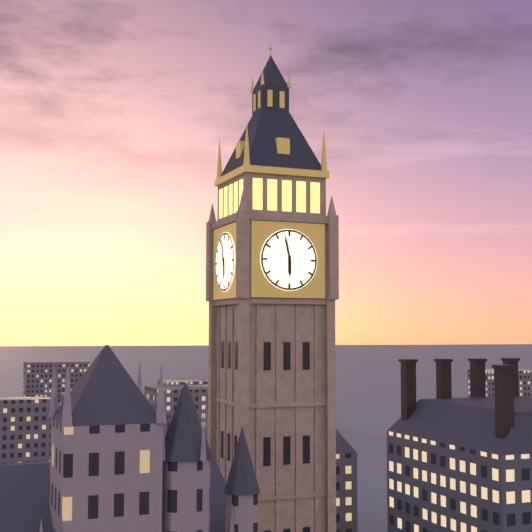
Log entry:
h=5 m=58
